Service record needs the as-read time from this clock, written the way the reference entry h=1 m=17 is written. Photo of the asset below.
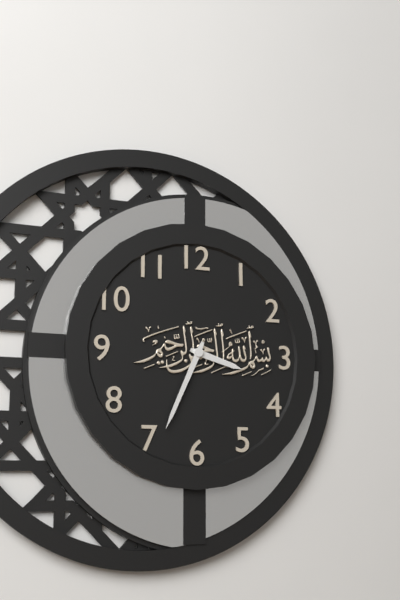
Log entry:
h=3 m=34
